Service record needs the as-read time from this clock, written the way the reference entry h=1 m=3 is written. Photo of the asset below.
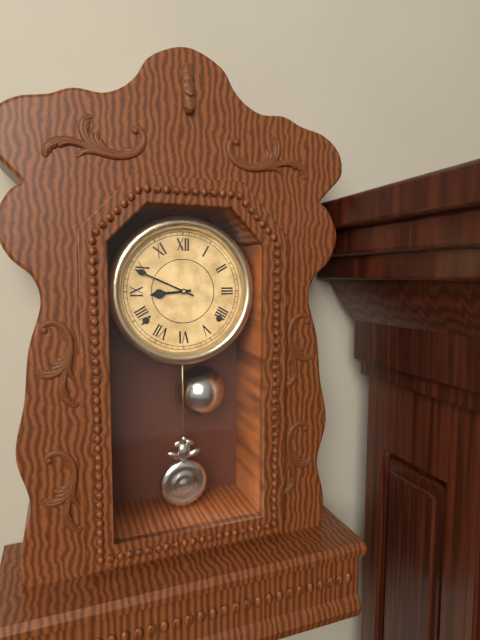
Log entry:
h=8 m=49
